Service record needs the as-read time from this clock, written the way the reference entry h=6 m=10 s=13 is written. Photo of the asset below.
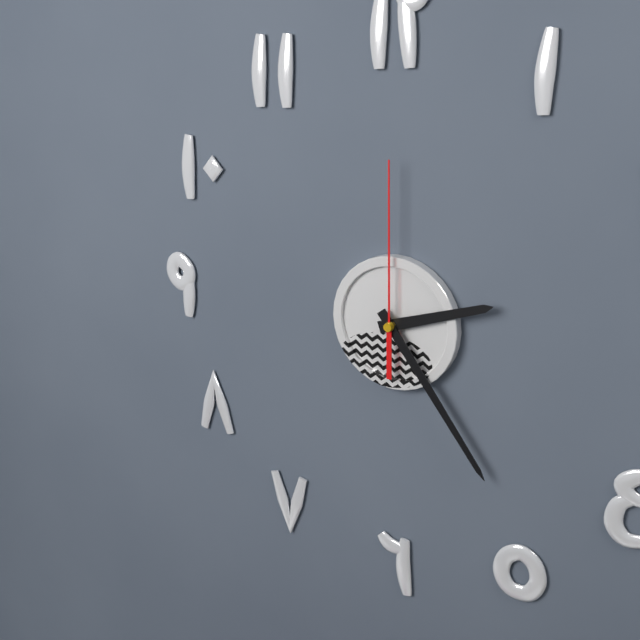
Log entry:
h=2 m=24 s=0
